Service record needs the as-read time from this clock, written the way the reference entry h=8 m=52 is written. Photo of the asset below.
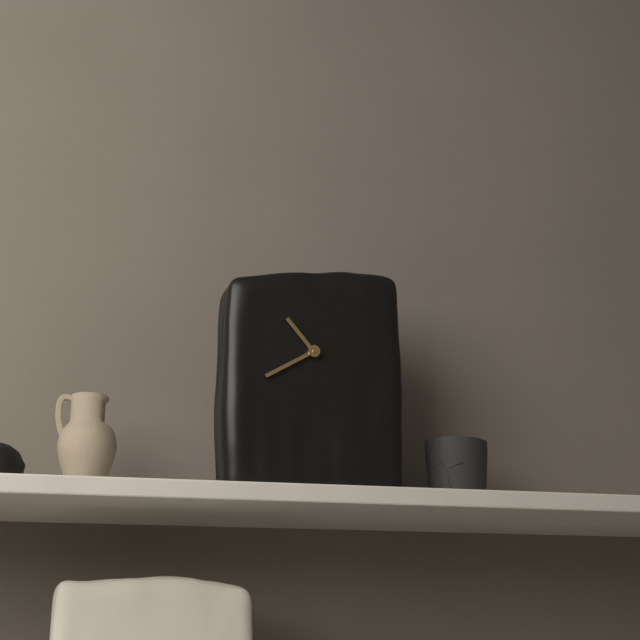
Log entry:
h=10 m=40
